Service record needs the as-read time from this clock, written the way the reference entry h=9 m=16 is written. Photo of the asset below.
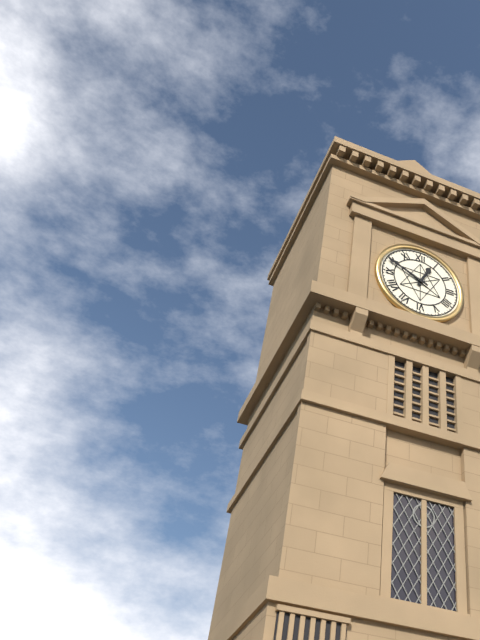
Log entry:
h=12 m=49
